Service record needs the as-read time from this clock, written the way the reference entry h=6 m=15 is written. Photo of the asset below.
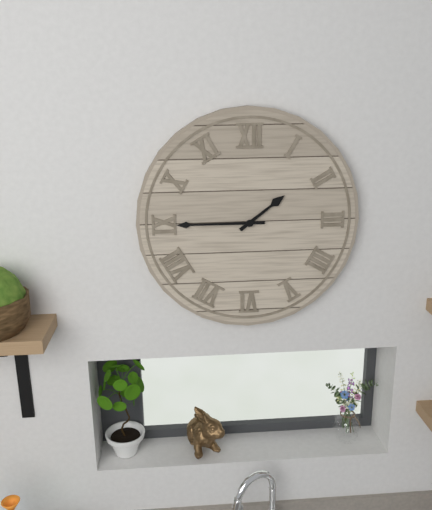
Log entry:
h=1 m=45
